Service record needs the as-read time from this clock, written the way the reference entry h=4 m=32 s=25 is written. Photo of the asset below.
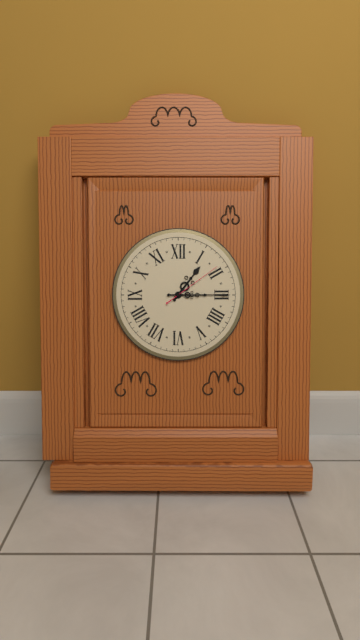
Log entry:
h=1 m=15 s=9
